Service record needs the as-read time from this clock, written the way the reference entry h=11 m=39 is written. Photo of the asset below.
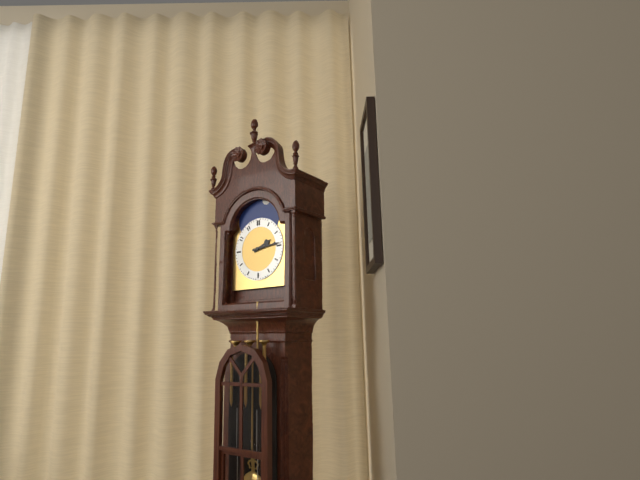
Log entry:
h=2 m=14
